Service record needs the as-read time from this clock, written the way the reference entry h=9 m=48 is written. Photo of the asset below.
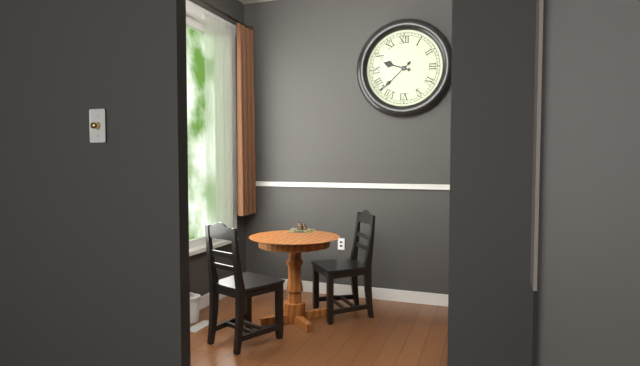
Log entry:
h=9 m=38
